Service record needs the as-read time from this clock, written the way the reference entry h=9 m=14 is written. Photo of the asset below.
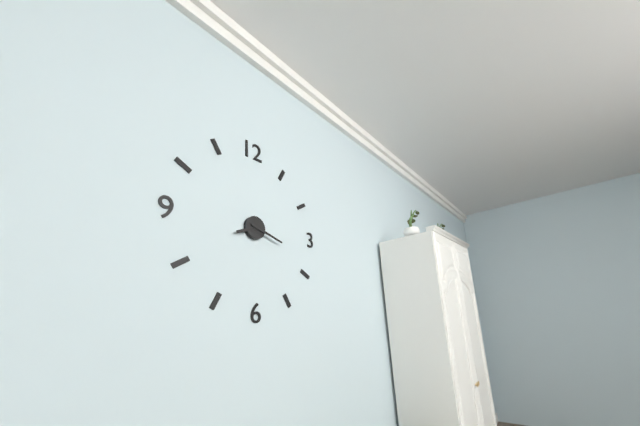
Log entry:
h=8 m=18
